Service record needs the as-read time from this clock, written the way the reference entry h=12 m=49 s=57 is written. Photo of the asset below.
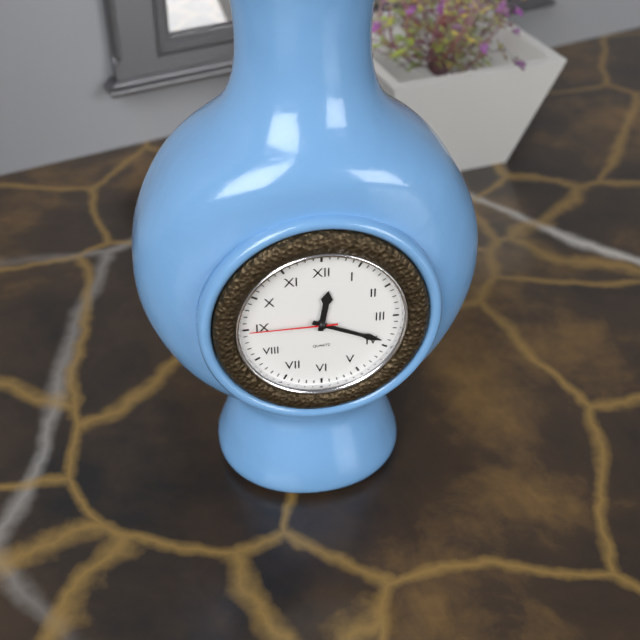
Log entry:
h=12 m=19 s=45
